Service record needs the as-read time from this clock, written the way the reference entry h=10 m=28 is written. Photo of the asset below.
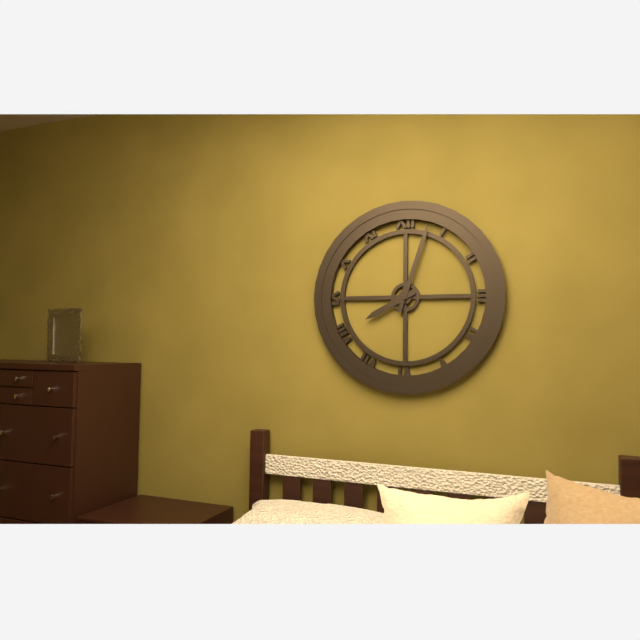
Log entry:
h=8 m=3
